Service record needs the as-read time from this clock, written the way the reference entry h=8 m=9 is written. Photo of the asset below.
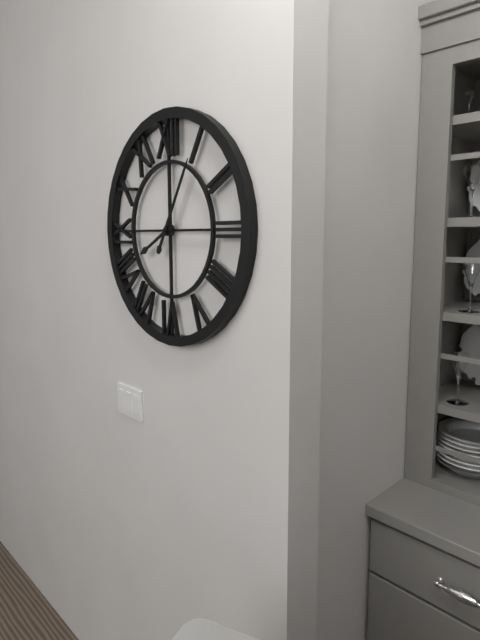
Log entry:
h=8 m=5
